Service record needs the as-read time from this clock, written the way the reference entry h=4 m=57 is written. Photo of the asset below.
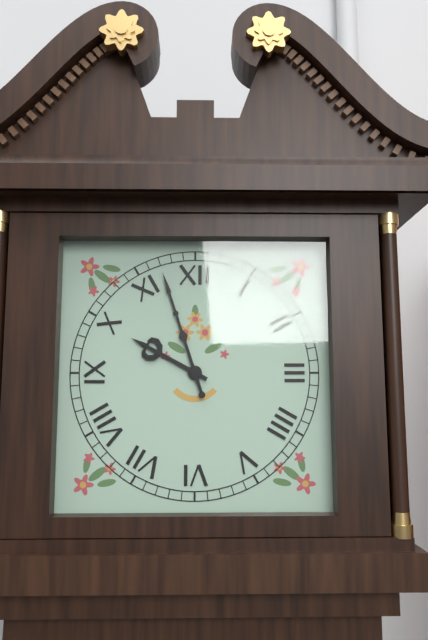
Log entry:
h=9 m=57
